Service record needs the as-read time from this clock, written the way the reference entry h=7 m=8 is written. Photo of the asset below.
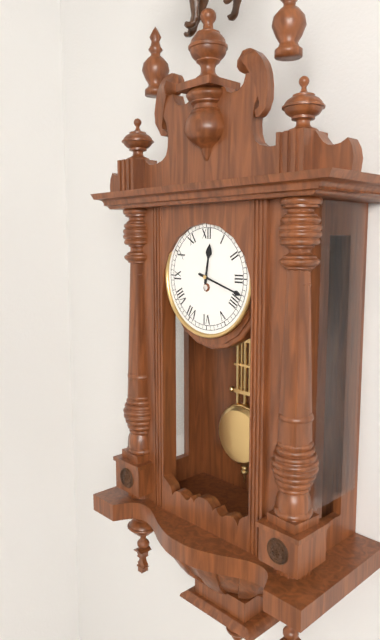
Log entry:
h=12 m=18
